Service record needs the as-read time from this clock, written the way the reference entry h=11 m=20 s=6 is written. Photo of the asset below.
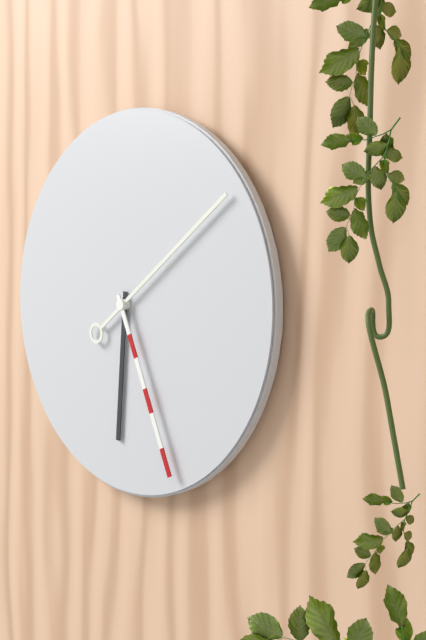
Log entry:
h=6 m=9 s=26
